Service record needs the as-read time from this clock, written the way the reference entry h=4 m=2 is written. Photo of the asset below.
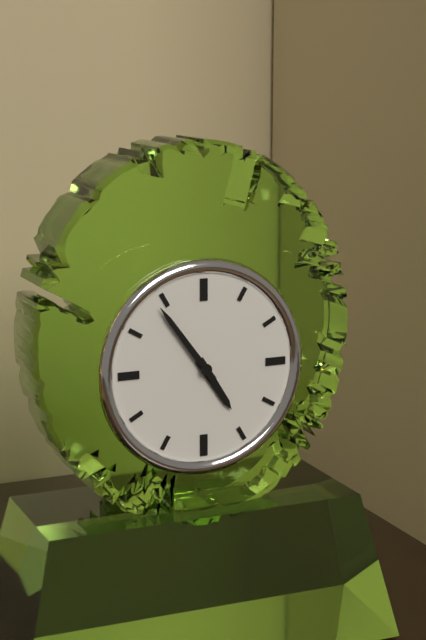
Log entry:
h=4 m=54
